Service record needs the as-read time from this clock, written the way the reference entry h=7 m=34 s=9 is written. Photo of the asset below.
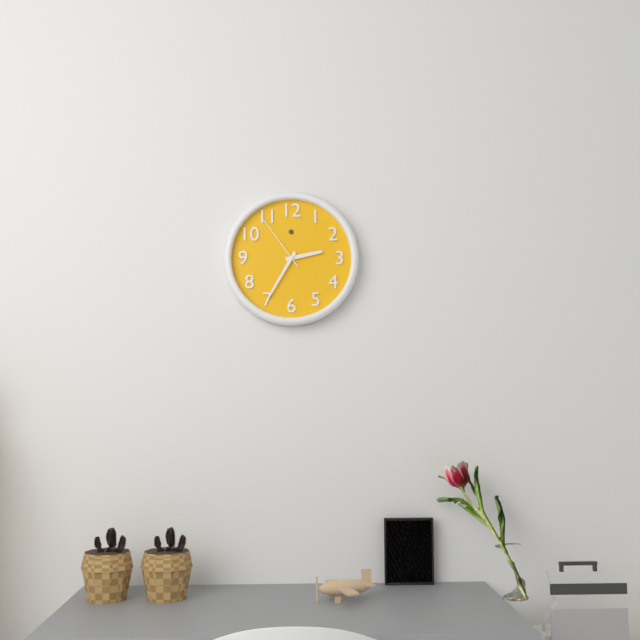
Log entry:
h=2 m=35 s=54
